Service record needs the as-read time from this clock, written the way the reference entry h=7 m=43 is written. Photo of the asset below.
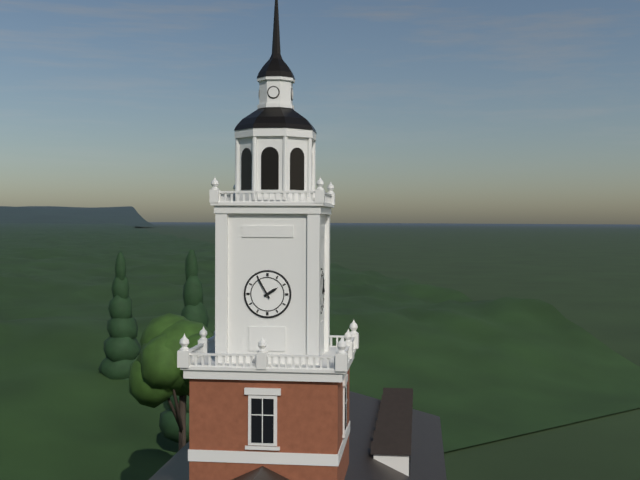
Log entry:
h=1 m=55
